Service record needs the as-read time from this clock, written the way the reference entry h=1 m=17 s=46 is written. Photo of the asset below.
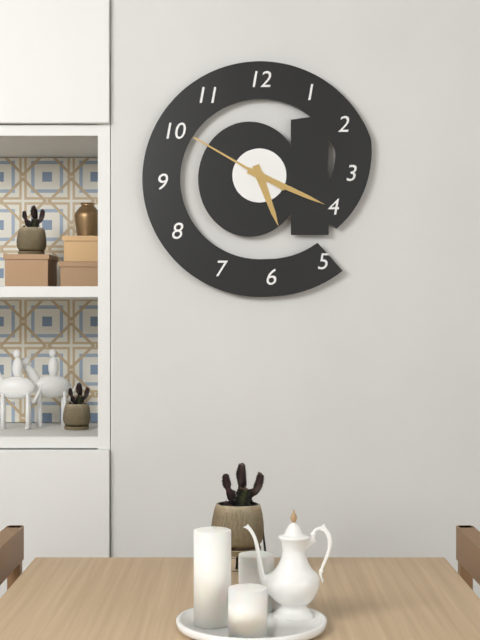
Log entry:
h=5 m=19 s=50
